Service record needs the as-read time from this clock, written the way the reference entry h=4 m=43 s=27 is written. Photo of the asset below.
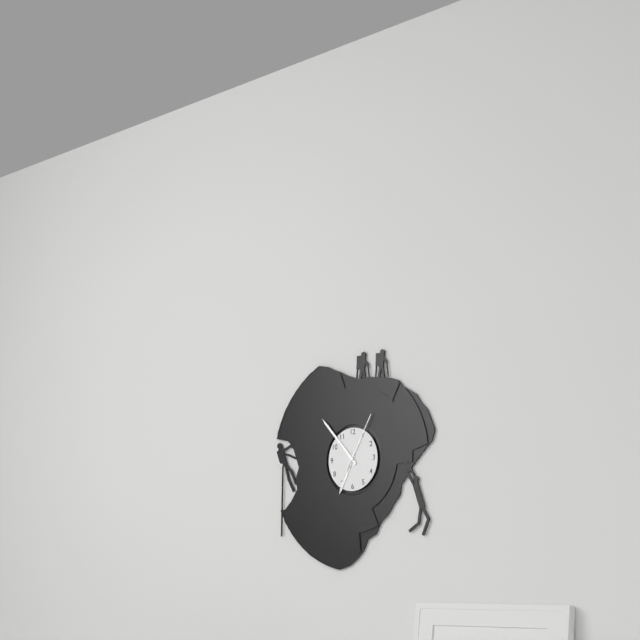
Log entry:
h=6 m=53 s=5
